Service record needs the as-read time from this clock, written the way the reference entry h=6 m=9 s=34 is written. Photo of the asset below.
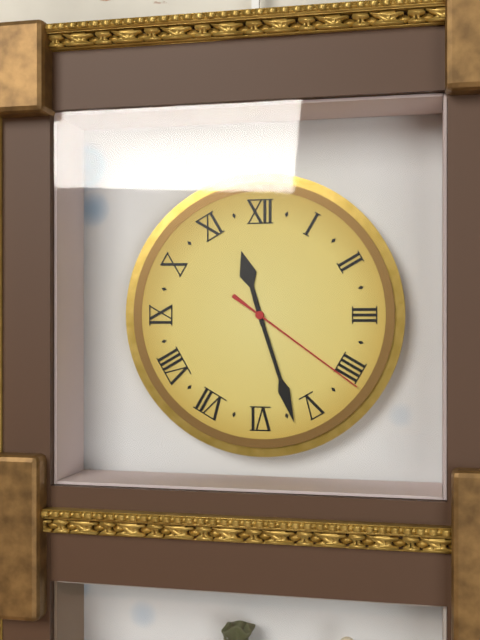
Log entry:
h=11 m=27 s=21
